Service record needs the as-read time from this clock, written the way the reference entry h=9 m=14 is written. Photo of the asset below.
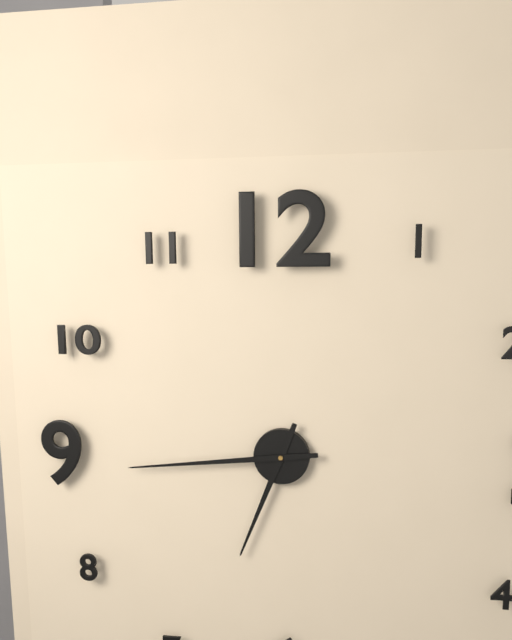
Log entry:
h=6 m=44
